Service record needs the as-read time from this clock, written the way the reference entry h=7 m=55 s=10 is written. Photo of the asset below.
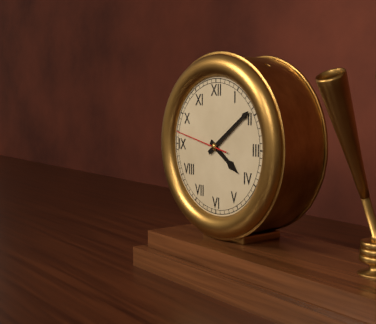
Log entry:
h=4 m=9 s=47
